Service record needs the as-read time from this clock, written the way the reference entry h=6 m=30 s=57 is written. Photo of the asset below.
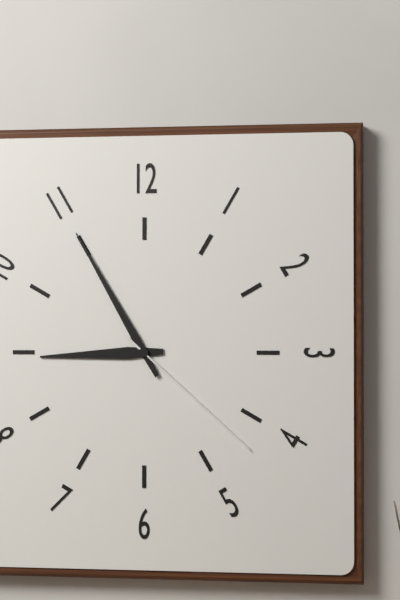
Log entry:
h=8 m=55 s=22
